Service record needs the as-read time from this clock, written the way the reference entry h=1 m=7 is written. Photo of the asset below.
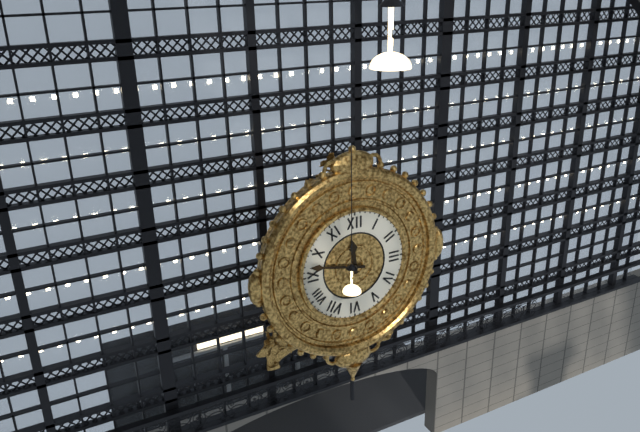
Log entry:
h=11 m=47
